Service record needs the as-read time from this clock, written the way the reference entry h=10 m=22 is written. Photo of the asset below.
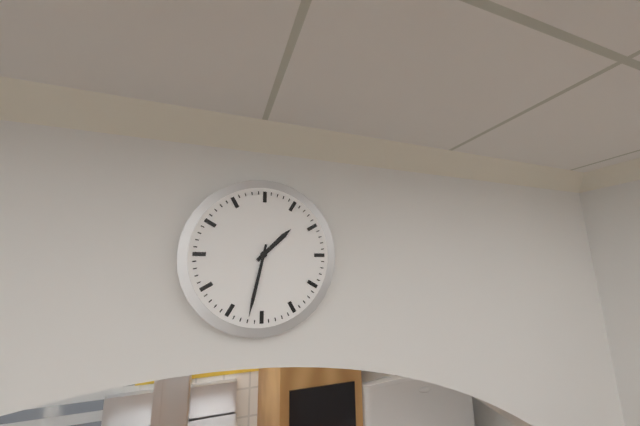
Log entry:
h=1 m=32
